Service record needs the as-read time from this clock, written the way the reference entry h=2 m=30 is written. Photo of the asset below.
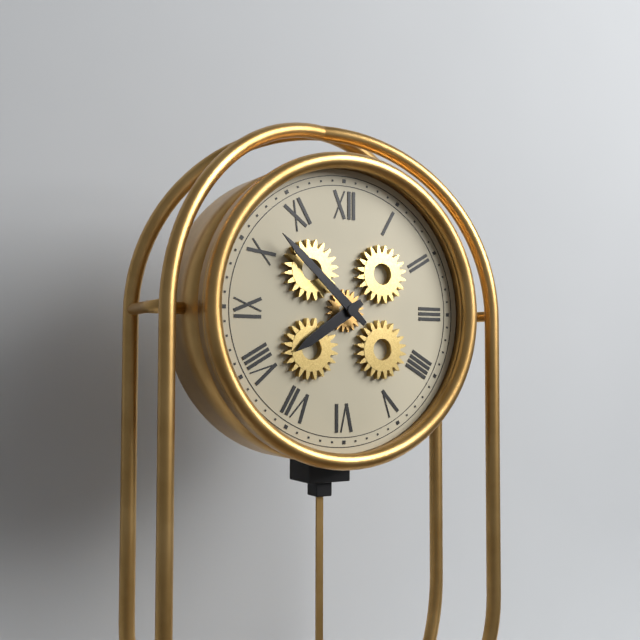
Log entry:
h=7 m=52
